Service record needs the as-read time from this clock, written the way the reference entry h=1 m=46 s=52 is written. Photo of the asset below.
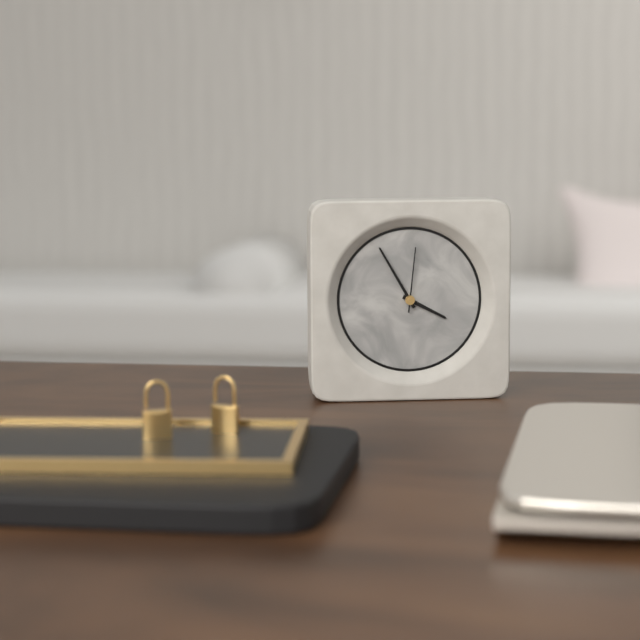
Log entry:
h=3 m=55 s=1
